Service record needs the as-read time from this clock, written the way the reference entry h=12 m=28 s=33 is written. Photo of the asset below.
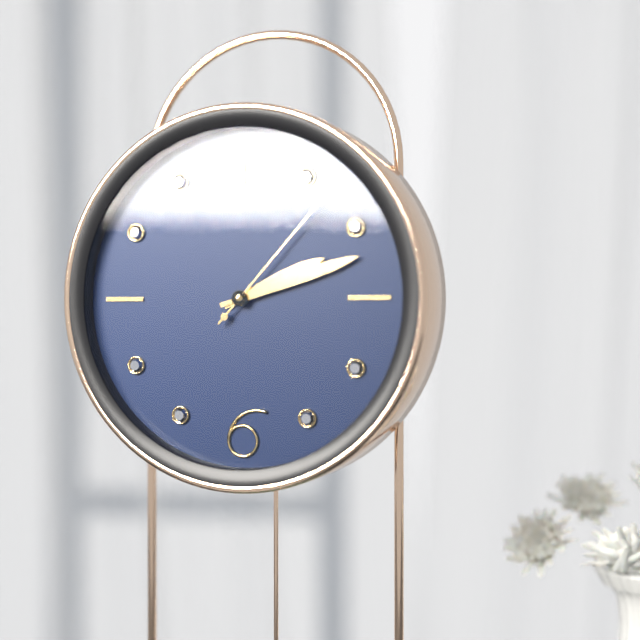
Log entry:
h=2 m=12 s=7
